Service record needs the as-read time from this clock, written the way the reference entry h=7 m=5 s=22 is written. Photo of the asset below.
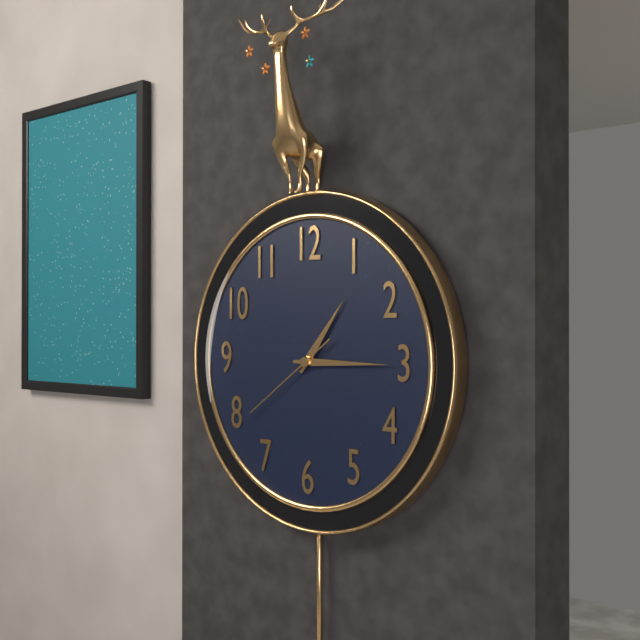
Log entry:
h=1 m=15 s=39
